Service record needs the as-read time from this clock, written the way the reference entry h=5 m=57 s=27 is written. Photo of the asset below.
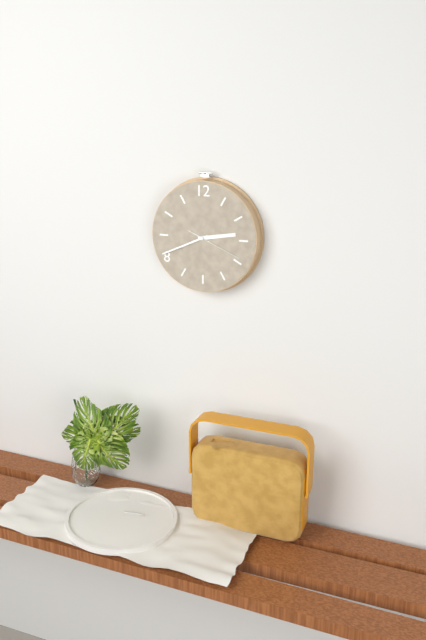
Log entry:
h=2 m=41 s=19
